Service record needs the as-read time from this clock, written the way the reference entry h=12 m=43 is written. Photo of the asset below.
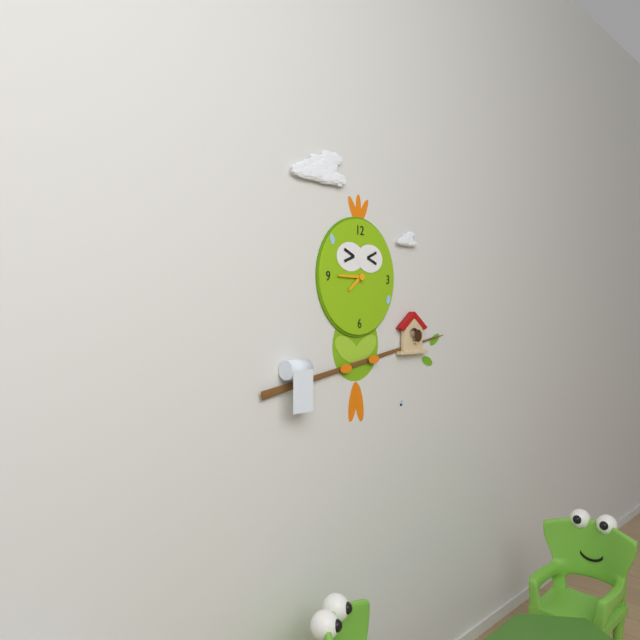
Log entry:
h=7 m=45
